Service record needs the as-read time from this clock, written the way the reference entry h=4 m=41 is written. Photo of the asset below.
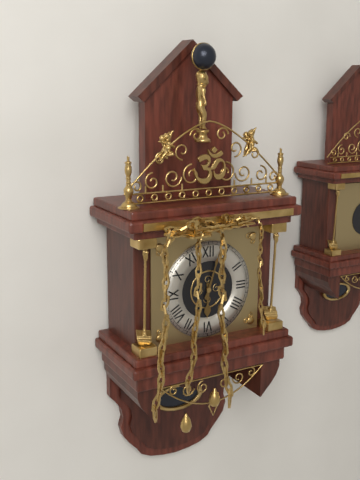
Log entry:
h=6 m=3
